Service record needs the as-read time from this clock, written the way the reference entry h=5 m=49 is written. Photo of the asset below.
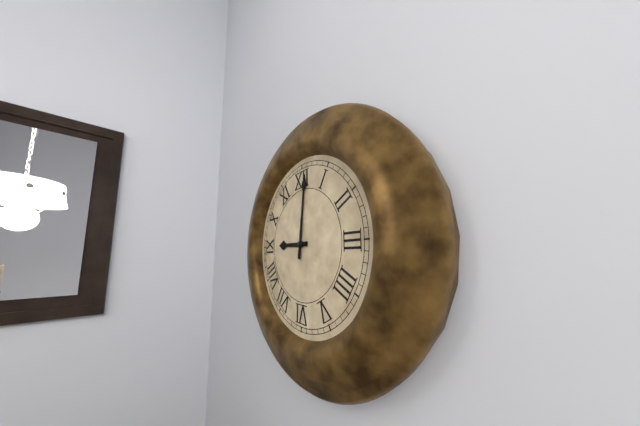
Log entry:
h=9 m=1
